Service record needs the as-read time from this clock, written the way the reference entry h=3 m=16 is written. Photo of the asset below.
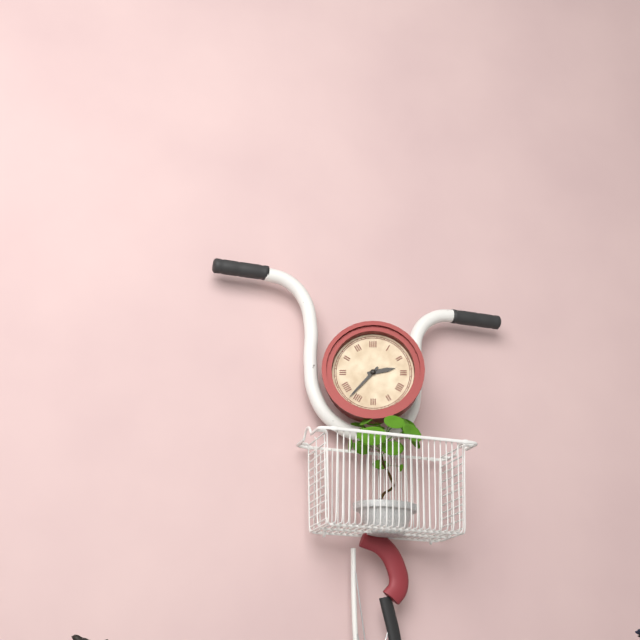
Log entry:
h=2 m=37
